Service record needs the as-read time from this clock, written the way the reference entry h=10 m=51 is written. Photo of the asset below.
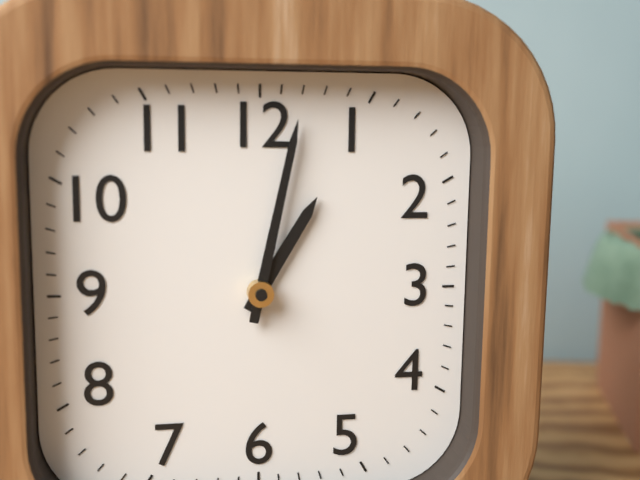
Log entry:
h=1 m=2
